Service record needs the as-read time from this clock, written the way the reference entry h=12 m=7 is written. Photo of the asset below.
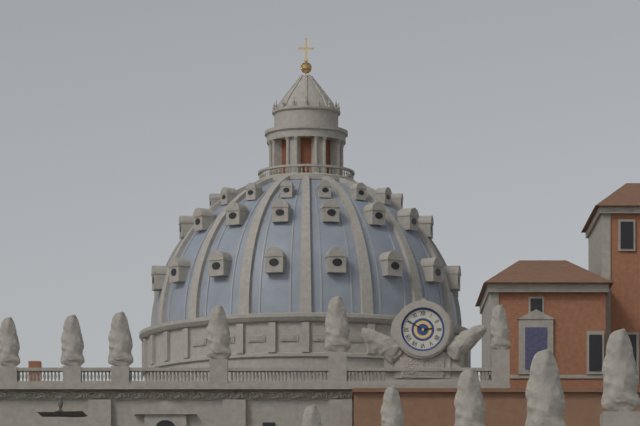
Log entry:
h=2 m=50
